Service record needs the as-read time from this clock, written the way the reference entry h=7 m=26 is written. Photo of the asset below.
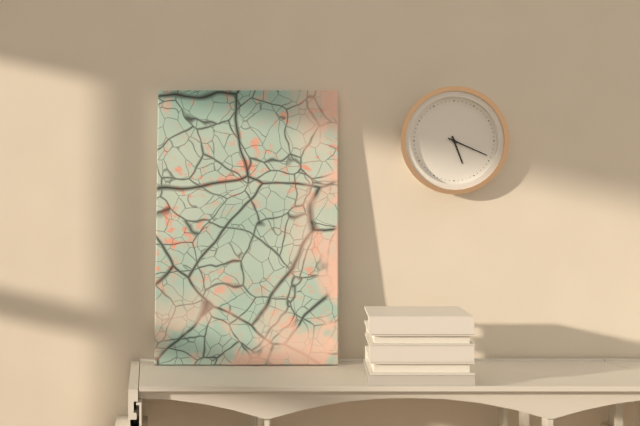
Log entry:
h=5 m=19
